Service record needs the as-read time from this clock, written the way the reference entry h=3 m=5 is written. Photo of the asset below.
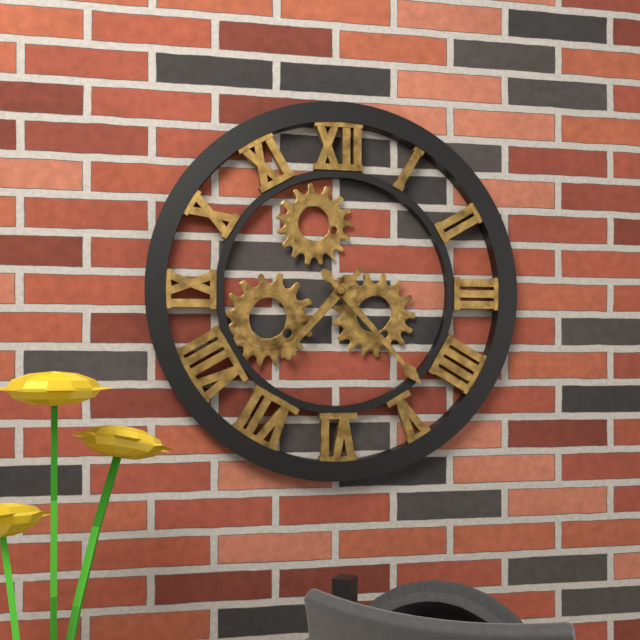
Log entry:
h=7 m=23
